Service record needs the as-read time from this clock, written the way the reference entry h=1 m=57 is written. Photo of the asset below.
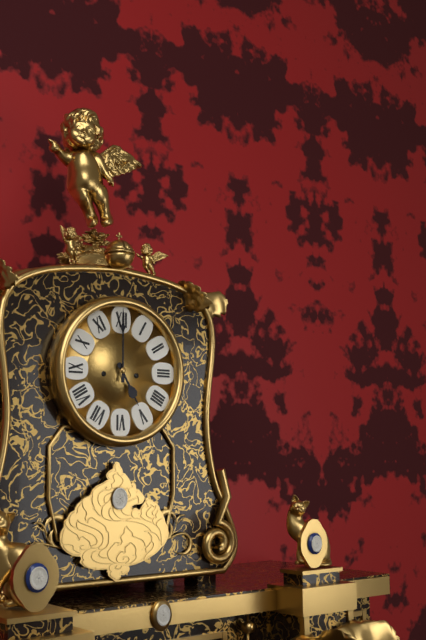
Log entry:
h=5 m=0
